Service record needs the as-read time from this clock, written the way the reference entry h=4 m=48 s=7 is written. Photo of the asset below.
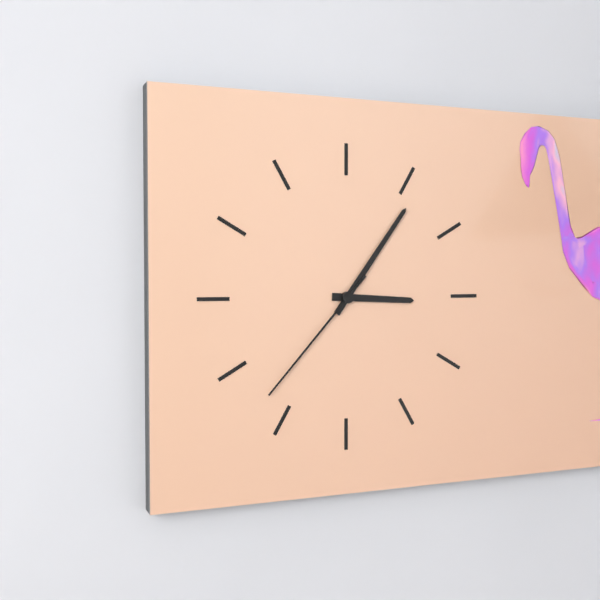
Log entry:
h=3 m=6 s=37
